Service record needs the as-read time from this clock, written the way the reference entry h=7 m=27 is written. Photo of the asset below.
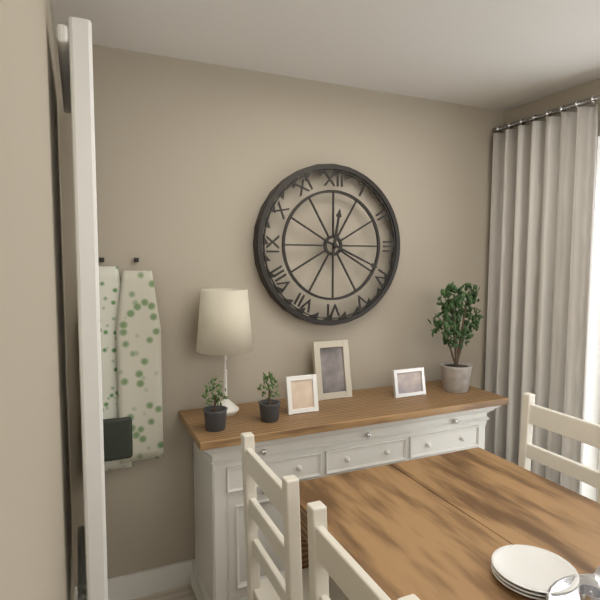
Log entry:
h=12 m=19
